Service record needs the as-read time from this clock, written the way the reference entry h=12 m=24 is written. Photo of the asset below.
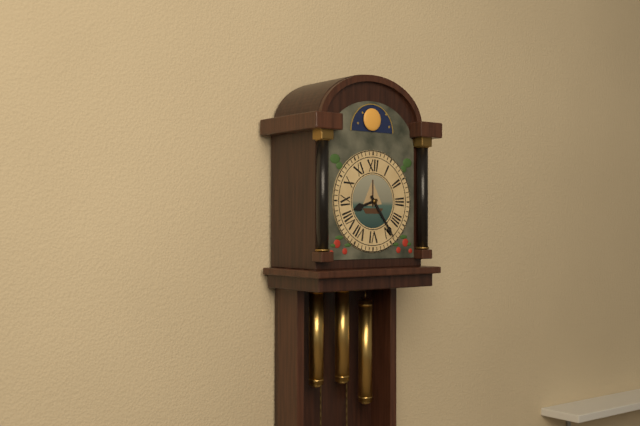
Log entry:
h=8 m=24
